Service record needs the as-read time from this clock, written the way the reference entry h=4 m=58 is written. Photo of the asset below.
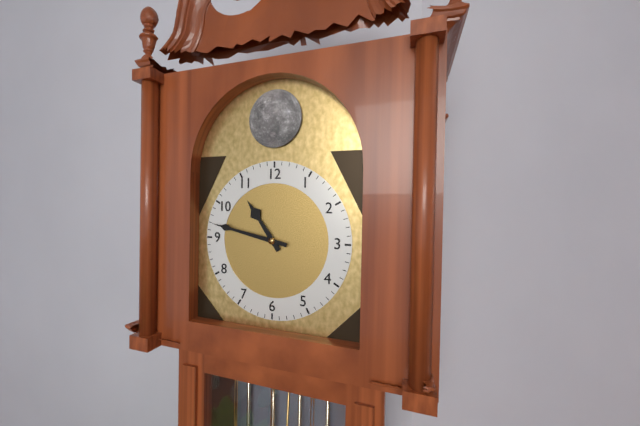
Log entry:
h=10 m=47
